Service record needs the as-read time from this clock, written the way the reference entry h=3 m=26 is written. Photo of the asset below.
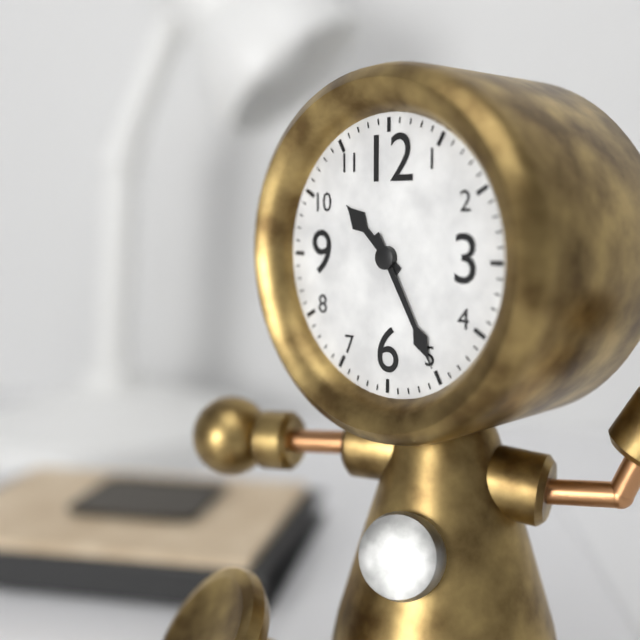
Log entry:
h=10 m=25
